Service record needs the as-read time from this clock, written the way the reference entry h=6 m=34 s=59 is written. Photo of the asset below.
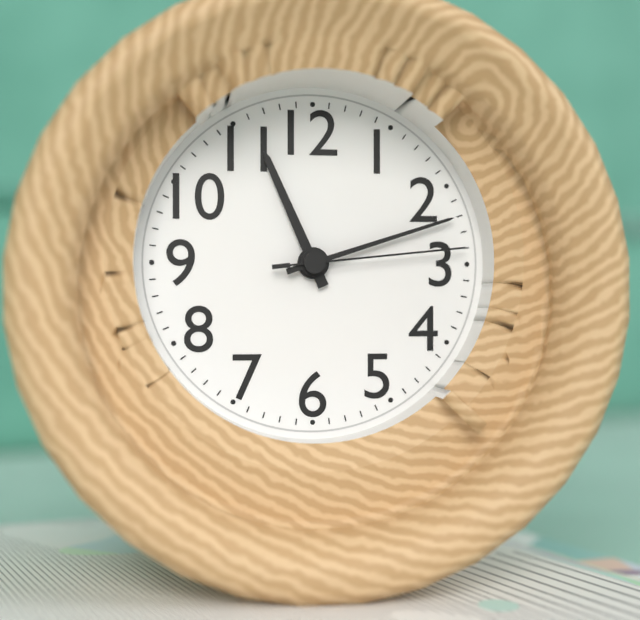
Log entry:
h=11 m=12 s=14
